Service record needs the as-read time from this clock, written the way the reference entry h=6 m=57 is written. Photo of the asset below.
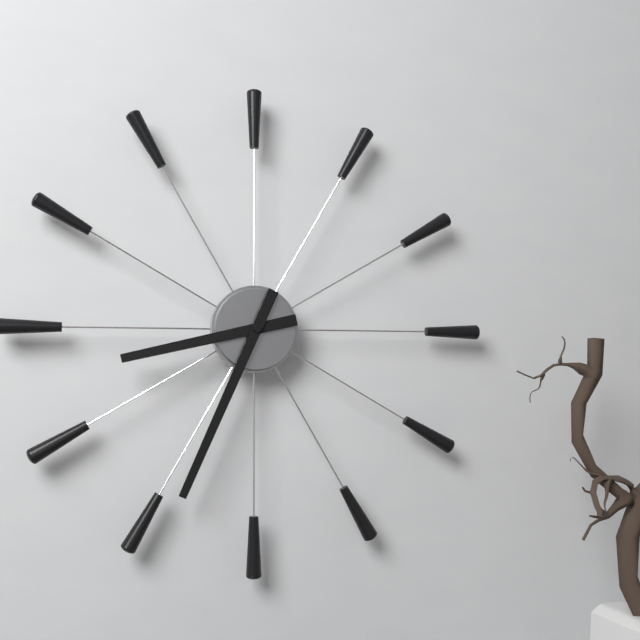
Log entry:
h=8 m=34
